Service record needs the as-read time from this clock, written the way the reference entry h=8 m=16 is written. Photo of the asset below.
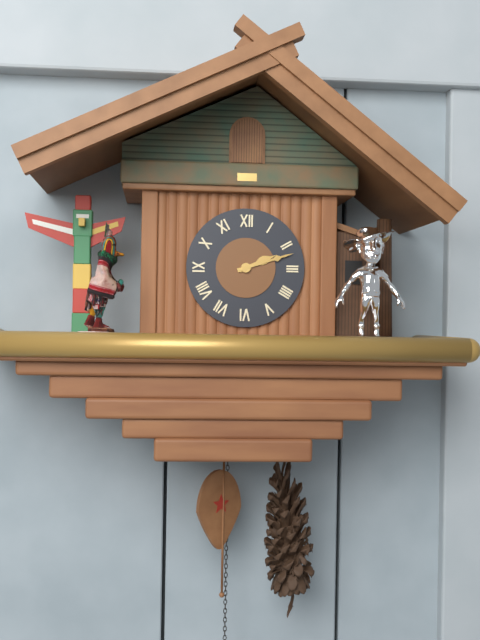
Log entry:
h=2 m=12
